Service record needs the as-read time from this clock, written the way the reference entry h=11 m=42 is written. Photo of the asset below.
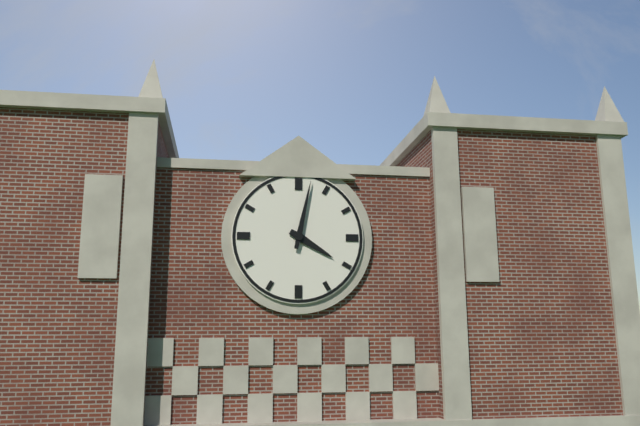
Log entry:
h=4 m=2
